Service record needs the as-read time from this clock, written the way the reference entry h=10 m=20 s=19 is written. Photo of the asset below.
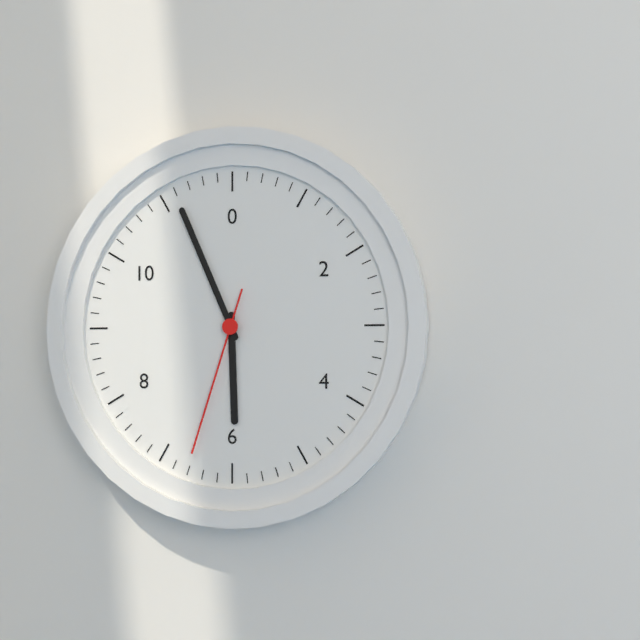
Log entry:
h=5 m=56 s=33
